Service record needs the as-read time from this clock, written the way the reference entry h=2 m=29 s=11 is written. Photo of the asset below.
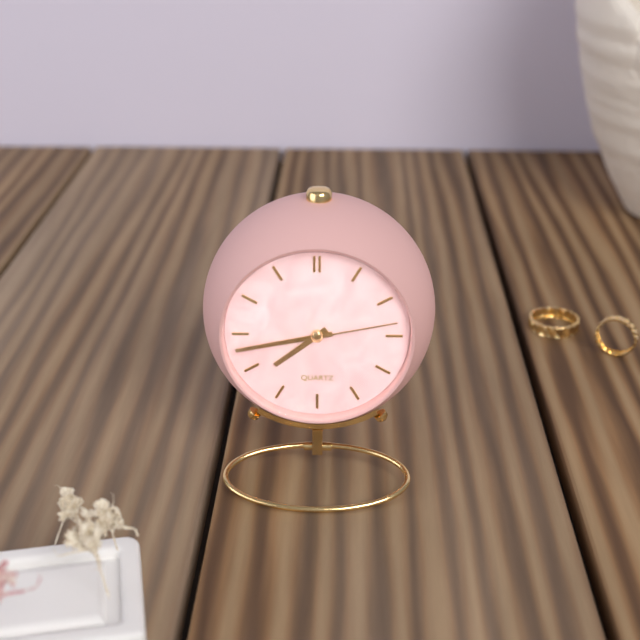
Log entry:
h=7 m=43 s=13
